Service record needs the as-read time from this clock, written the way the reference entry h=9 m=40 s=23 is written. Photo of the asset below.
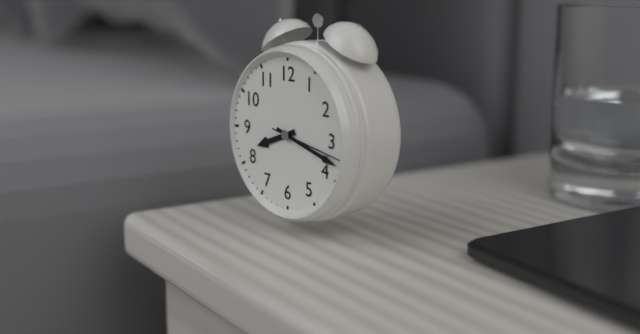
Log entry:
h=8 m=18 s=17
